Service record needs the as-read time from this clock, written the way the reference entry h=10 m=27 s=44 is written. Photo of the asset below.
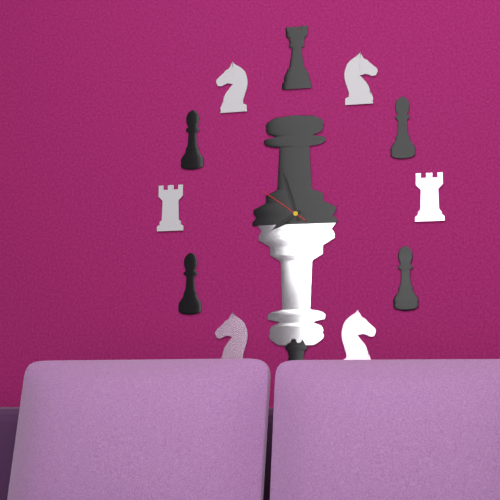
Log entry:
h=7 m=57 s=51
